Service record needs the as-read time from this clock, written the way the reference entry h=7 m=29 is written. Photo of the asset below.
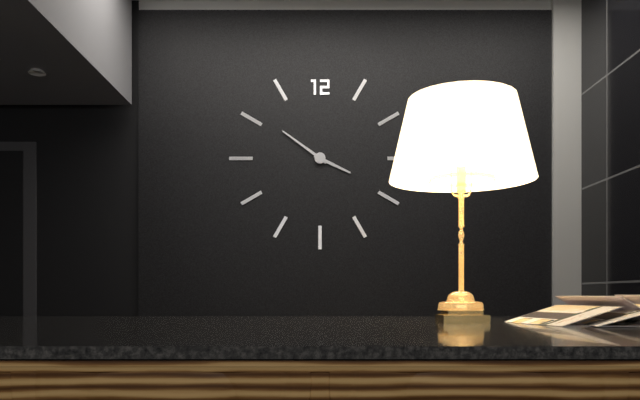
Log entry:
h=3 m=51
